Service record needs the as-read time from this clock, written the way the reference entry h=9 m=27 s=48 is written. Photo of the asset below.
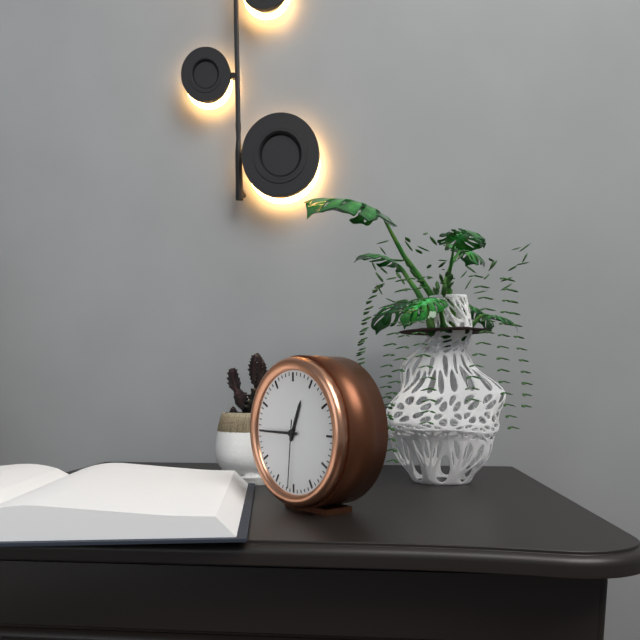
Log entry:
h=12 m=45 s=31
